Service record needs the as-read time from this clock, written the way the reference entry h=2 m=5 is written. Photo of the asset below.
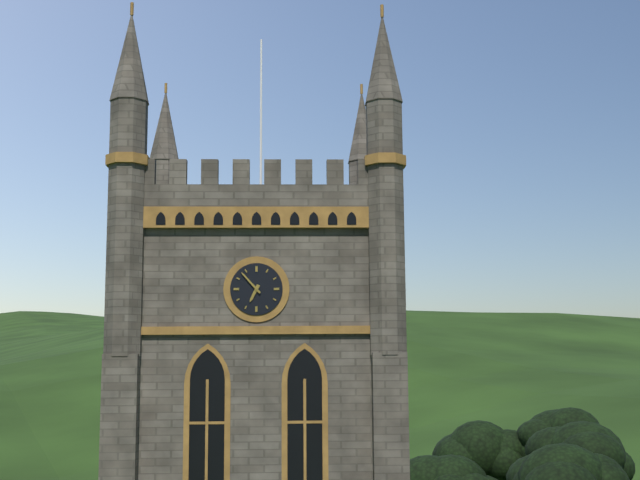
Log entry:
h=6 m=53
